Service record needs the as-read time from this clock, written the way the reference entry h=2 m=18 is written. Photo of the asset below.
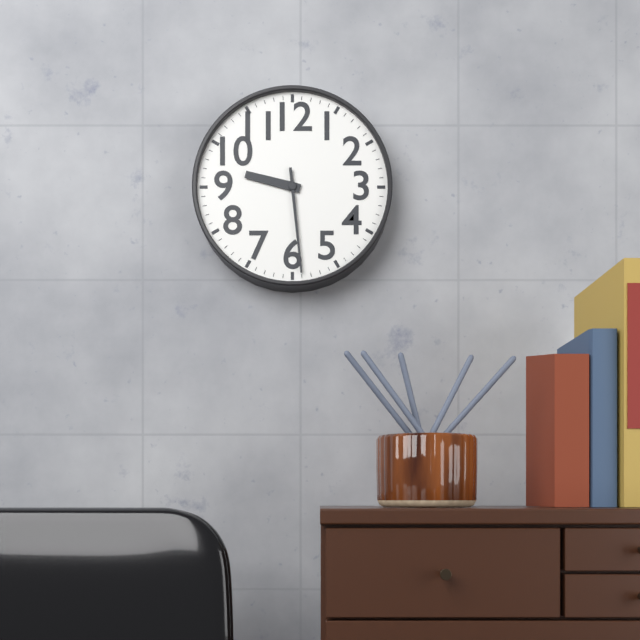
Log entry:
h=9 m=29
